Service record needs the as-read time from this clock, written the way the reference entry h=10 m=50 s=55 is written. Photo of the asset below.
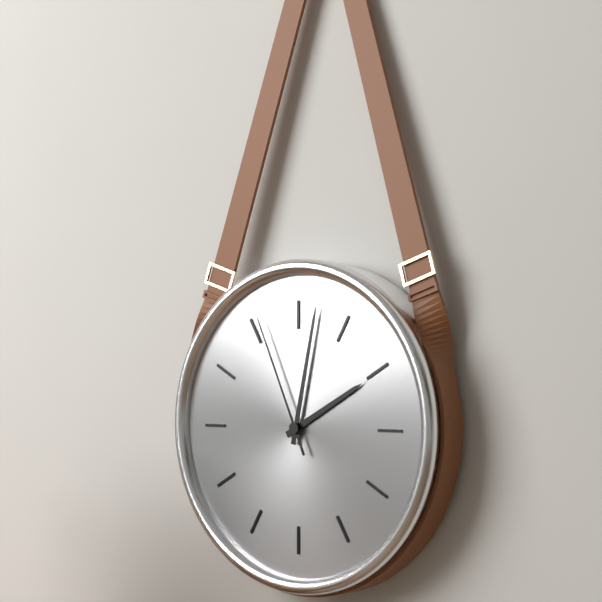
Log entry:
h=2 m=2 s=56
